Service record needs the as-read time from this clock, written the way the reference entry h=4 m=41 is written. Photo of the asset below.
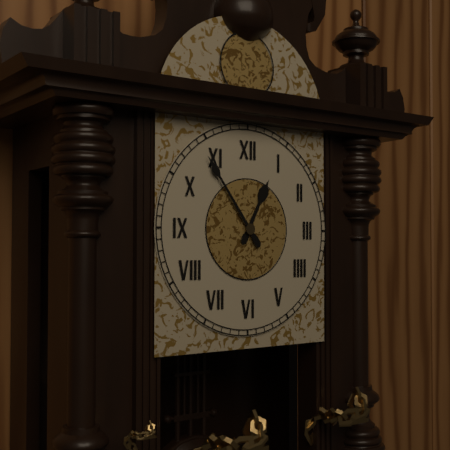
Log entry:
h=12 m=54
